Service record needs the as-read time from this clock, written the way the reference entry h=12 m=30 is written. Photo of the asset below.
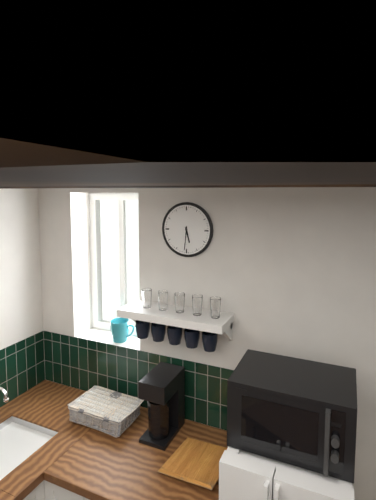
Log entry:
h=5 m=31
